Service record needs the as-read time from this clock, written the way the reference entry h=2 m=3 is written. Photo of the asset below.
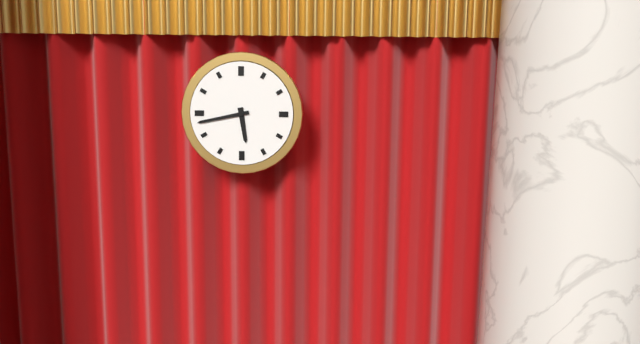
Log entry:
h=5 m=43
